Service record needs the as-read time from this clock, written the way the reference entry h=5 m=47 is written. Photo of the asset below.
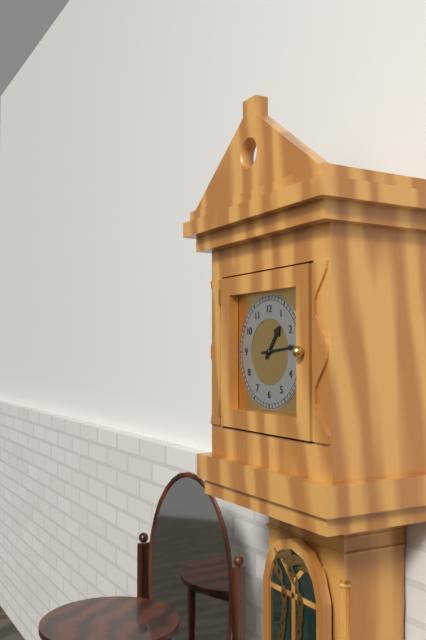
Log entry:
h=1 m=14
